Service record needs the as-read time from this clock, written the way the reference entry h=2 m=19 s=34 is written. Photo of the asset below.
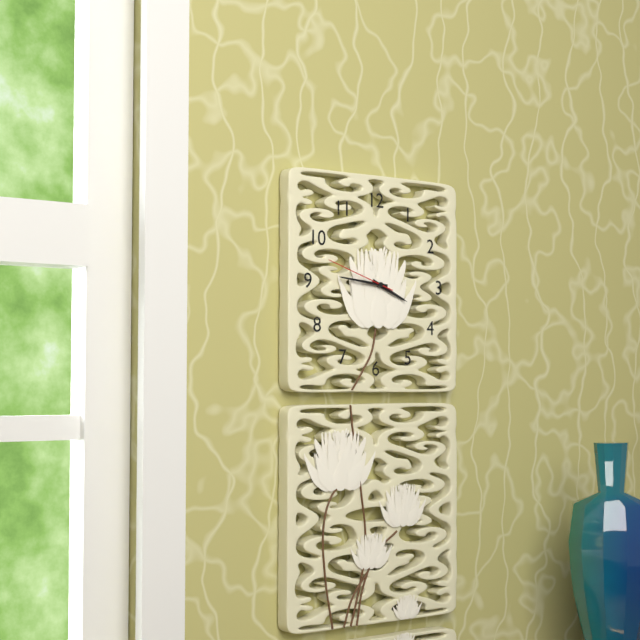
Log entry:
h=3 m=46 s=48
